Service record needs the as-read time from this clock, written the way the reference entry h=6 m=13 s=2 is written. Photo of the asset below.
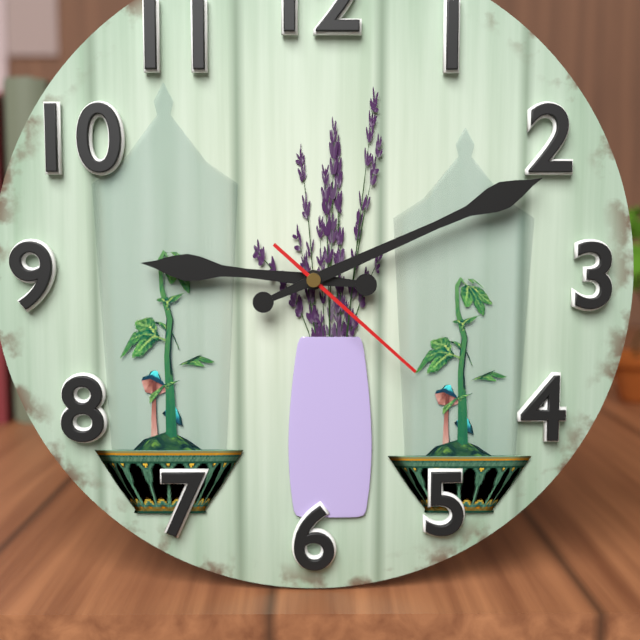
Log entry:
h=9 m=11 s=22
